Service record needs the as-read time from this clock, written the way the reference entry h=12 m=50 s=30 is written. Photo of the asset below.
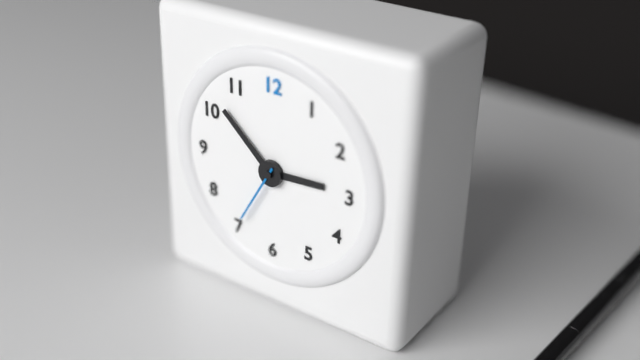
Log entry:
h=2 m=52 s=35
